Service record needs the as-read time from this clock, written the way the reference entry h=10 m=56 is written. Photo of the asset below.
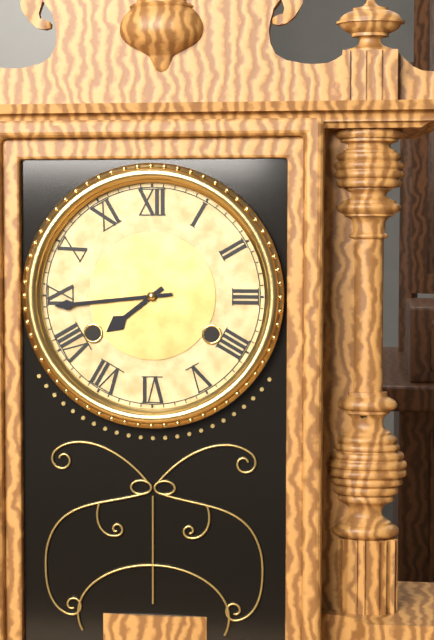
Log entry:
h=7 m=44
